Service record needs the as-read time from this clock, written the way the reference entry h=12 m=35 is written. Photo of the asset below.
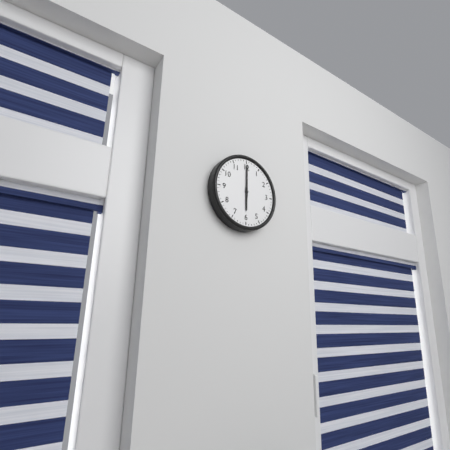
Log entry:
h=6 m=0
